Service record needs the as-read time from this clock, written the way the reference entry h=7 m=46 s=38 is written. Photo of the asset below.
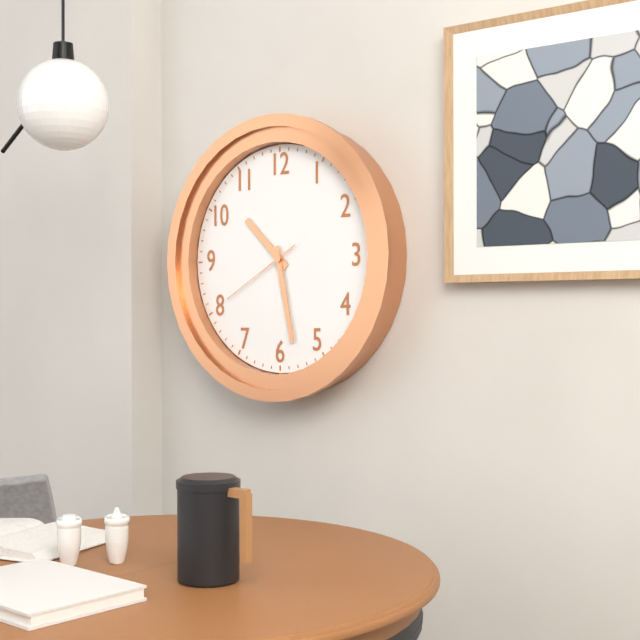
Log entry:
h=10 m=28 s=40
